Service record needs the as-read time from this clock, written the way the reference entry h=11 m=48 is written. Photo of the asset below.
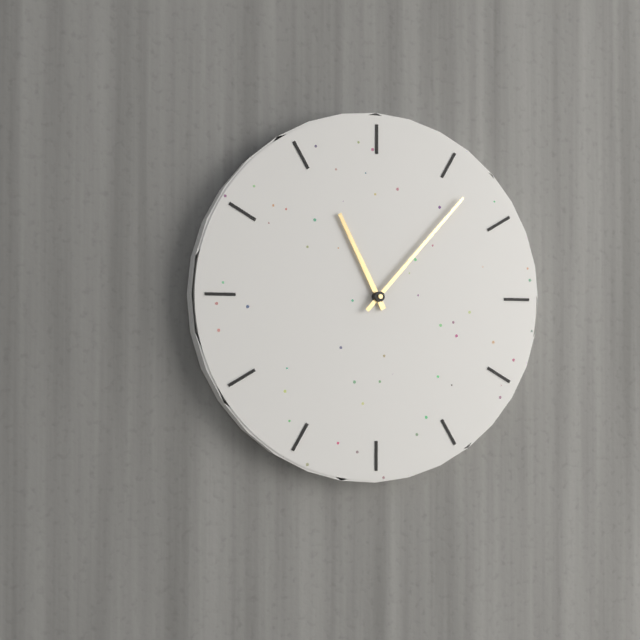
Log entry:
h=11 m=7
